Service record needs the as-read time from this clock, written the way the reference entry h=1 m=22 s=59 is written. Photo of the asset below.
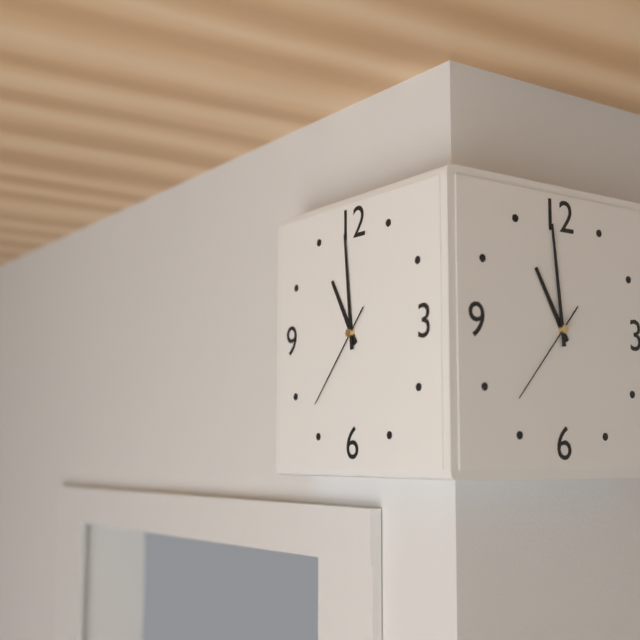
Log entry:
h=10 m=59 s=37
